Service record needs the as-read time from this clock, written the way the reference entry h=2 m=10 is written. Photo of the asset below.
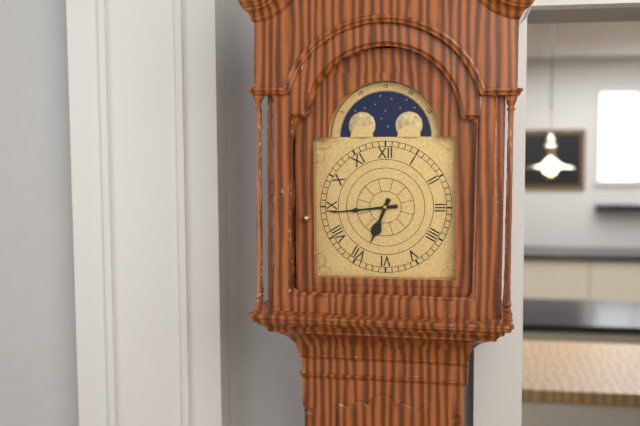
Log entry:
h=6 m=44
